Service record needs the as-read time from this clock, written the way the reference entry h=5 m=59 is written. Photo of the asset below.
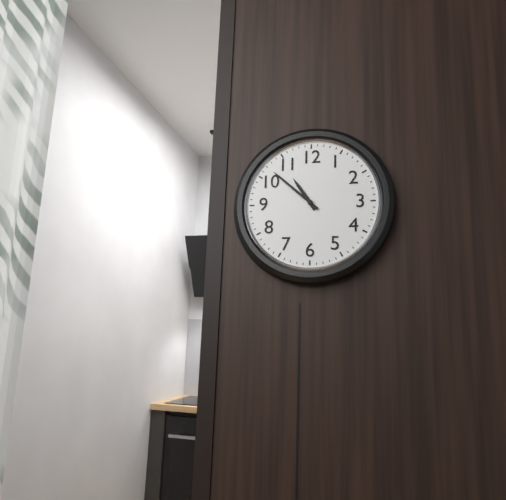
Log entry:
h=10 m=52
